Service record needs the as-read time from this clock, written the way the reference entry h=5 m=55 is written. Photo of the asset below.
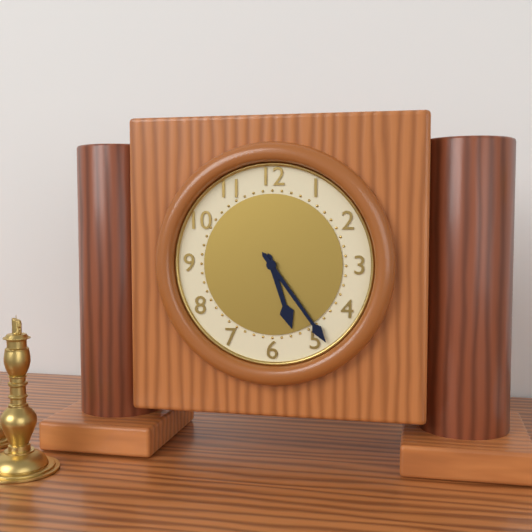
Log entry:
h=5 m=24
